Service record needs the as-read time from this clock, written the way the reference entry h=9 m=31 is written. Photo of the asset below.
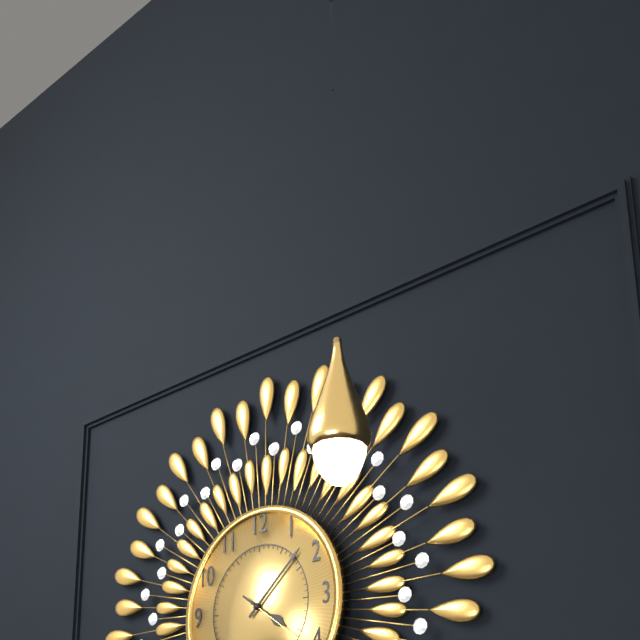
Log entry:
h=4 m=8
